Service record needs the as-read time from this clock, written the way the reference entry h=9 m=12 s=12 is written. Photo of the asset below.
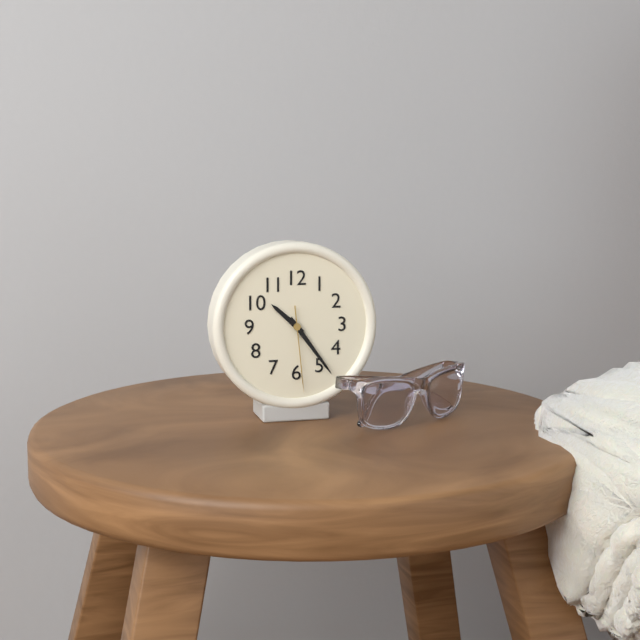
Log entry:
h=10 m=24 s=29
